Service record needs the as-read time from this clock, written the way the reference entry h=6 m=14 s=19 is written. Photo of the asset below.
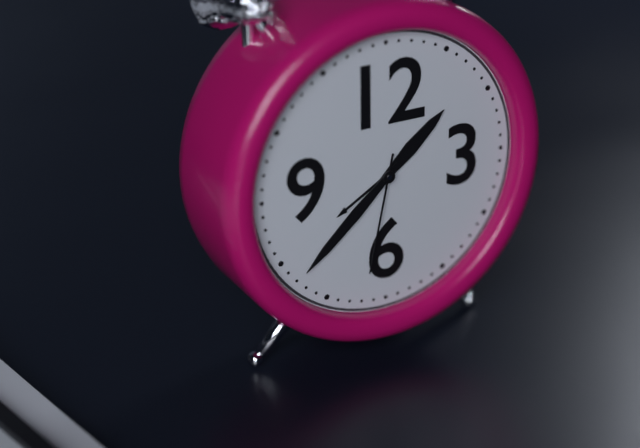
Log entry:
h=1 m=38 s=32
